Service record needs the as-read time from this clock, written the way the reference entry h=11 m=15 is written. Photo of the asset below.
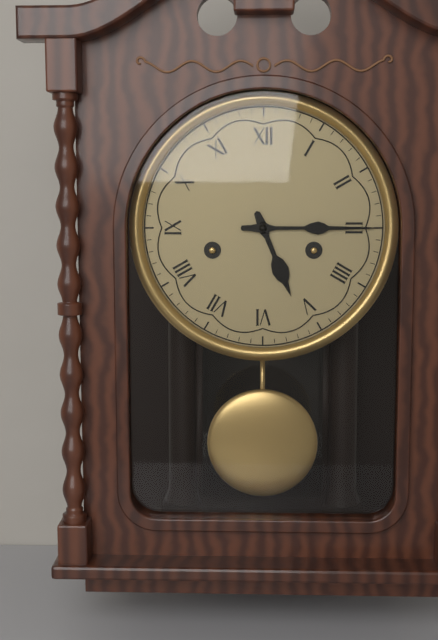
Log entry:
h=5 m=15
